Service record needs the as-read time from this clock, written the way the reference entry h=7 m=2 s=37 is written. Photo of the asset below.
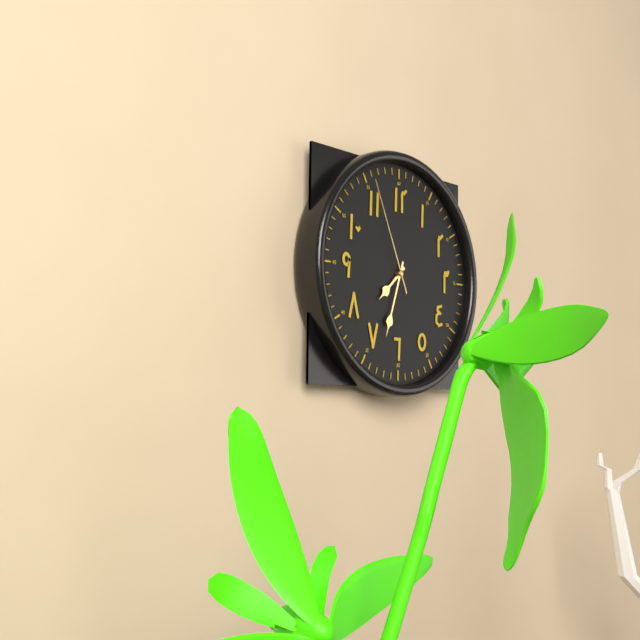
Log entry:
h=7 m=33 s=56
